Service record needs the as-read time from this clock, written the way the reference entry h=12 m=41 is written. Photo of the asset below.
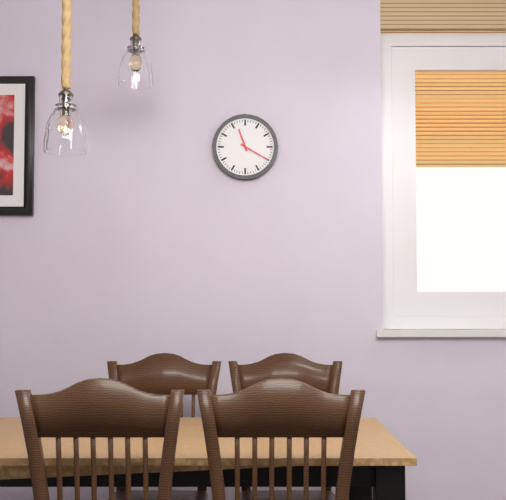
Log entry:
h=11 m=20
